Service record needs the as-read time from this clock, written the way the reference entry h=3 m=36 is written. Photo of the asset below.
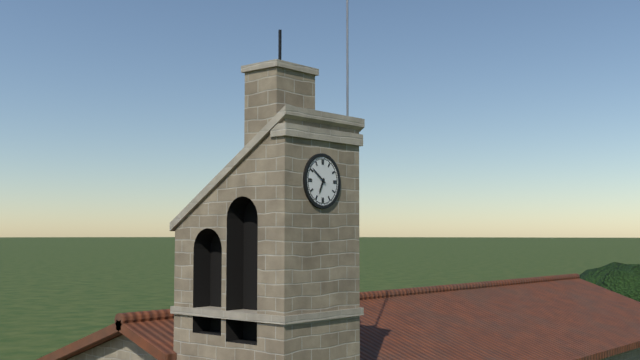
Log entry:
h=6 m=51
